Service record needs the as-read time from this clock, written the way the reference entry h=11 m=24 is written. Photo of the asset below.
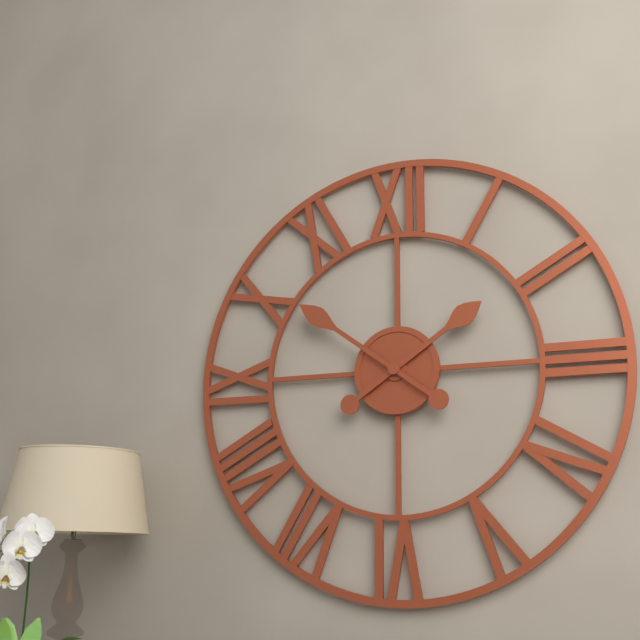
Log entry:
h=1 m=51
